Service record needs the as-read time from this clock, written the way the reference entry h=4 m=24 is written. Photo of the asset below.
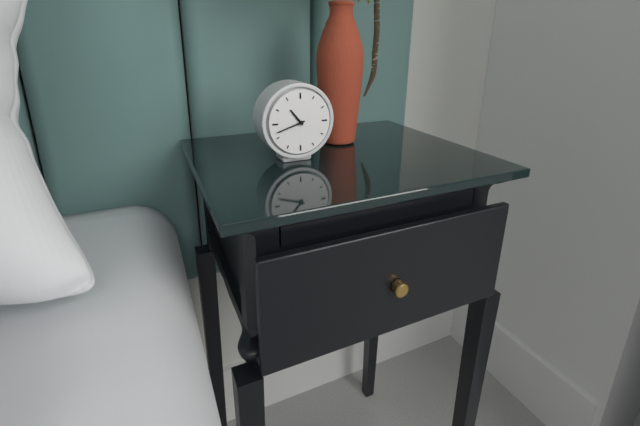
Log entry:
h=10 m=42
